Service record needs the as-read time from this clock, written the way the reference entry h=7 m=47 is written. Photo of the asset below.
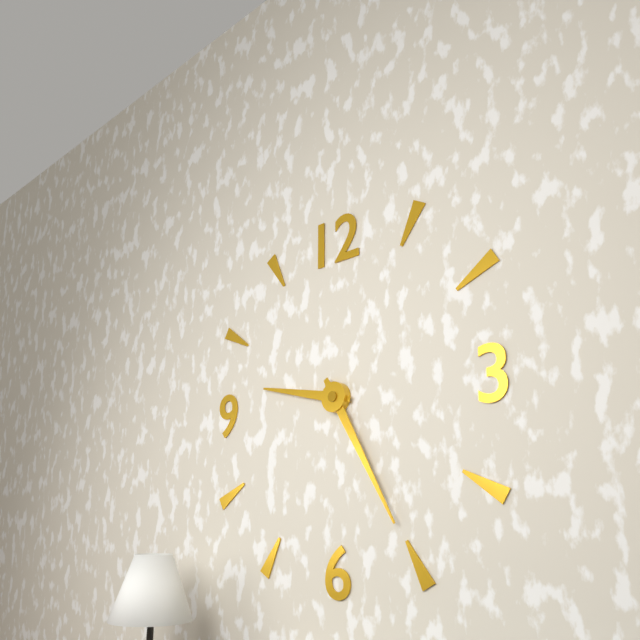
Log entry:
h=9 m=25
